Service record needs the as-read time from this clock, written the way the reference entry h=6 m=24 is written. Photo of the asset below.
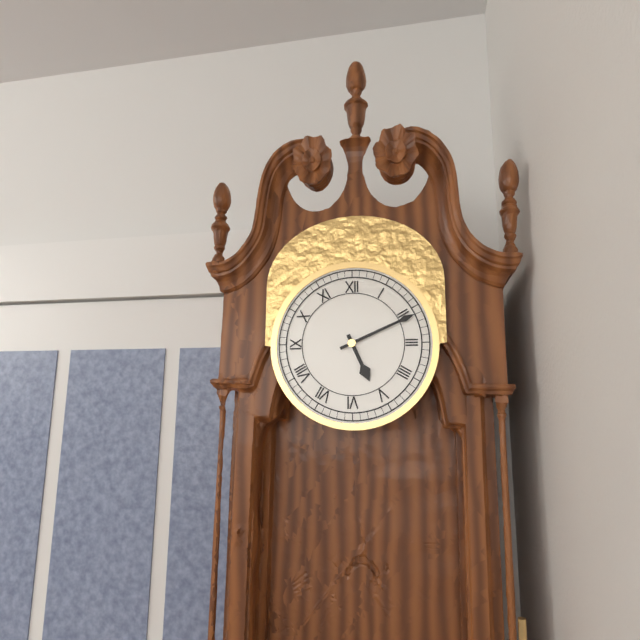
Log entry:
h=5 m=11
